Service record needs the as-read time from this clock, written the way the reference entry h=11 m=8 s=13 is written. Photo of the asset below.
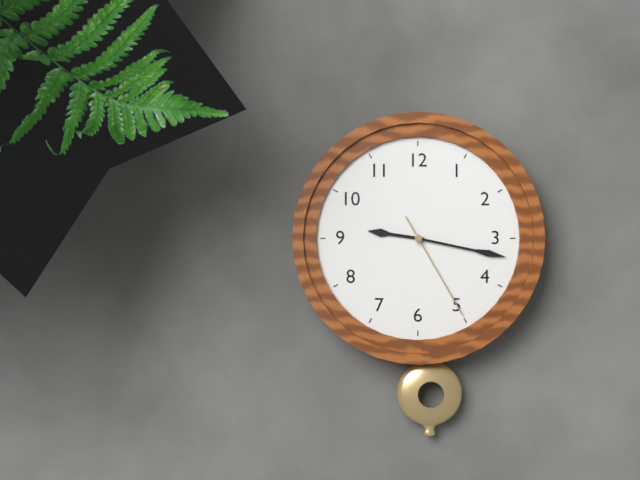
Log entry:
h=9 m=17 s=25
